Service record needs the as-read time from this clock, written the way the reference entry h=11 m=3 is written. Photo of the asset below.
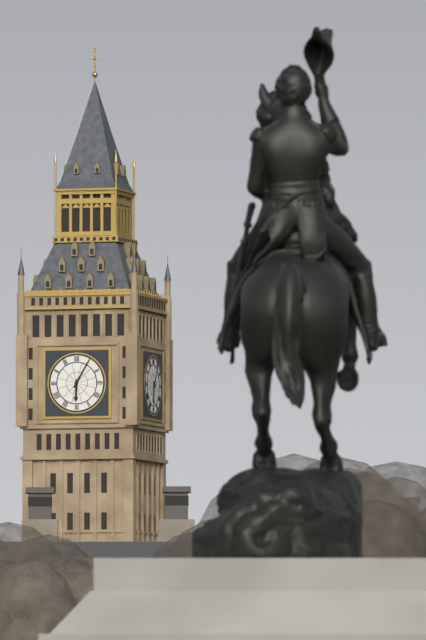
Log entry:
h=6 m=5
